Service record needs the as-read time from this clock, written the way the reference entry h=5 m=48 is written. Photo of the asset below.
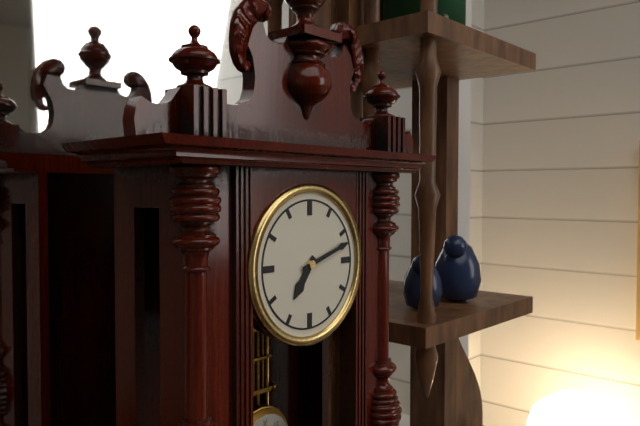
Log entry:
h=7 m=12
